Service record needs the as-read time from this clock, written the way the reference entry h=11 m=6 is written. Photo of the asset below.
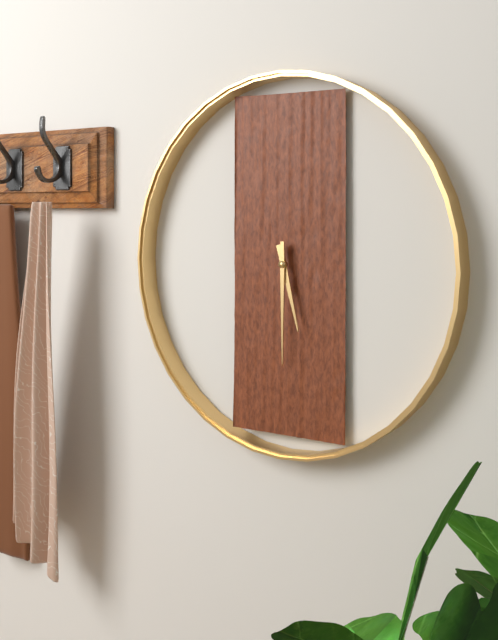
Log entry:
h=5 m=30
